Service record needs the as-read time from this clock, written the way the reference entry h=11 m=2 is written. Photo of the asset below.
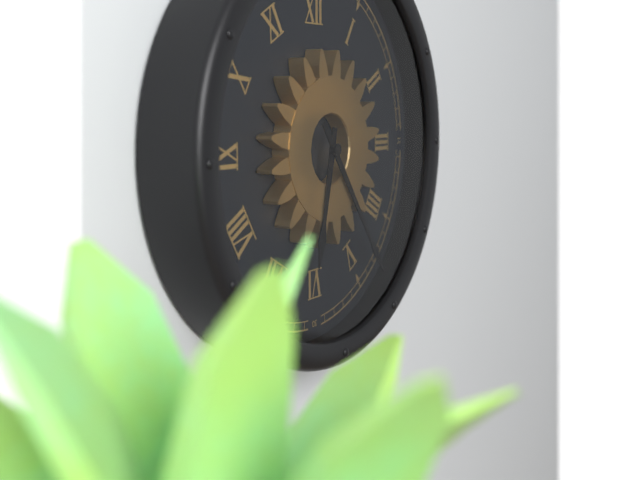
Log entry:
h=6 m=24
